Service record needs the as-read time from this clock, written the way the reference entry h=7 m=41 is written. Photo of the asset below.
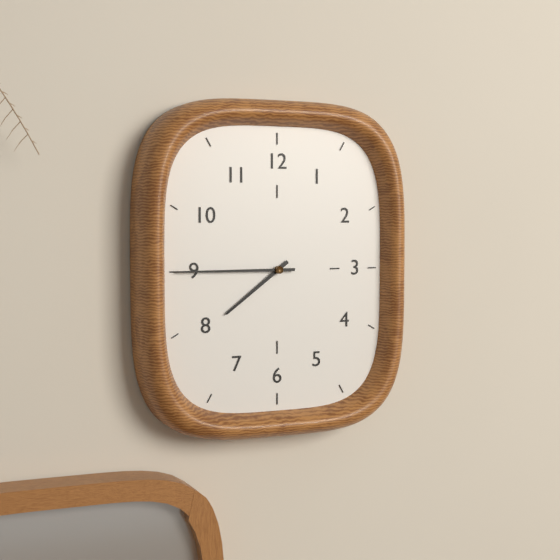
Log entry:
h=7 m=45
